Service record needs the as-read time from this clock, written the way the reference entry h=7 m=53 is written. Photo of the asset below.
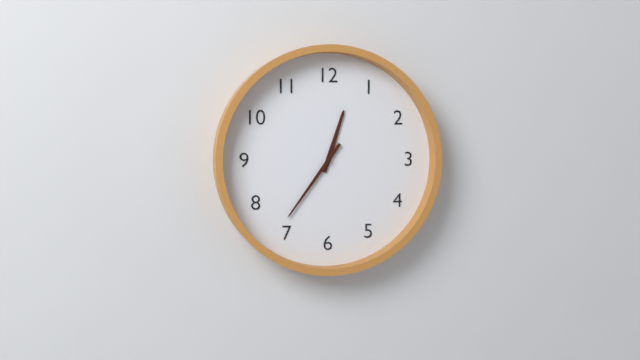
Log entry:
h=12 m=36
